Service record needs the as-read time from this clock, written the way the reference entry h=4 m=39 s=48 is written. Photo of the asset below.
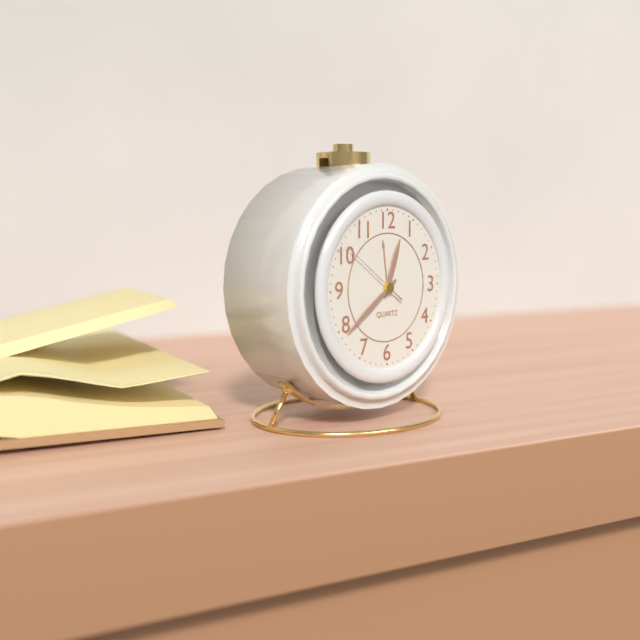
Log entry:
h=12 m=39 s=51
